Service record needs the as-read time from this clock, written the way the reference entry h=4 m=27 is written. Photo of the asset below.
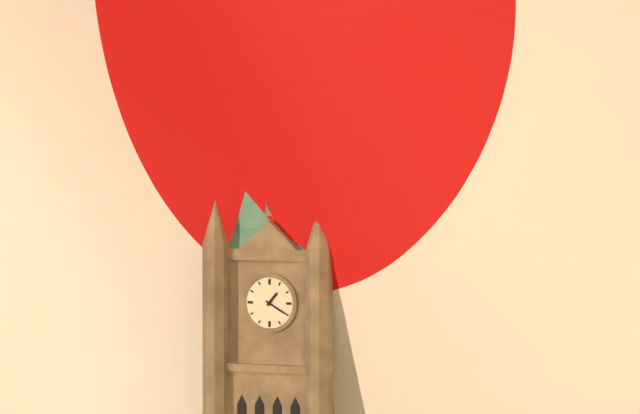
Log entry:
h=1 m=20
